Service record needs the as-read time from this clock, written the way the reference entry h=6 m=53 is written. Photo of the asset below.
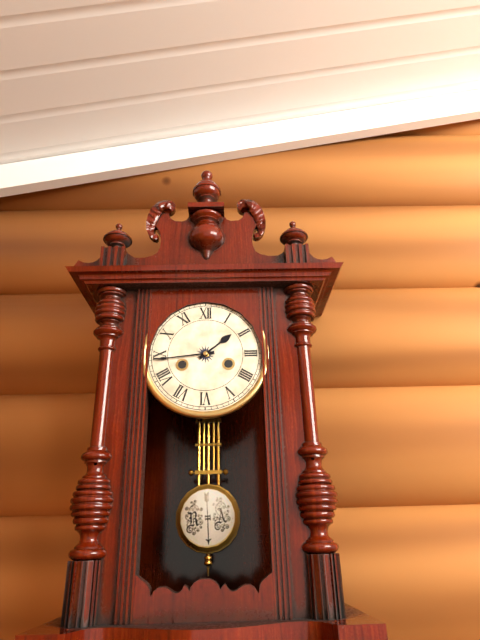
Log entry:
h=1 m=44
